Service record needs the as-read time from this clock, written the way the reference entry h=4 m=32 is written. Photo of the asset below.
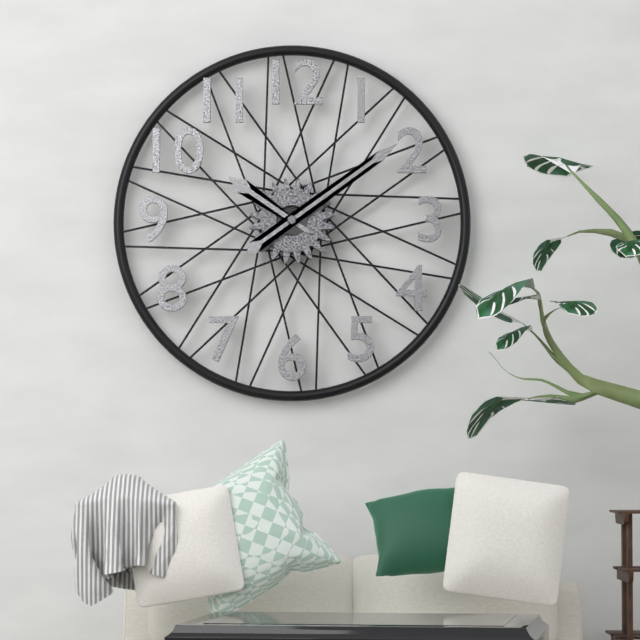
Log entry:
h=10 m=9
